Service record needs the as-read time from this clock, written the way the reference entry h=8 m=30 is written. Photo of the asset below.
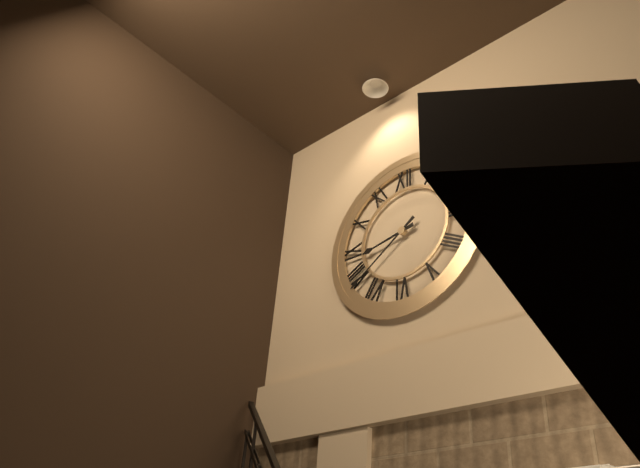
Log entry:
h=8 m=39
